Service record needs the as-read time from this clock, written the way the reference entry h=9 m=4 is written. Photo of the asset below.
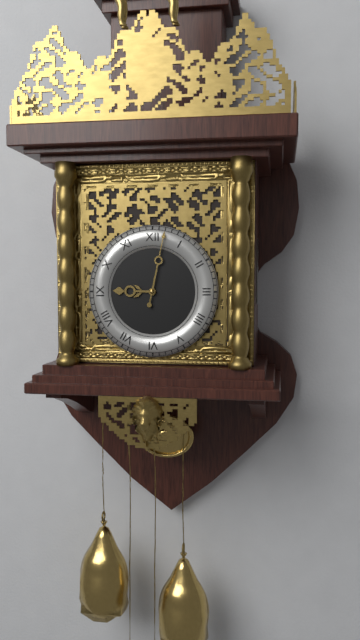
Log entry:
h=9 m=2
